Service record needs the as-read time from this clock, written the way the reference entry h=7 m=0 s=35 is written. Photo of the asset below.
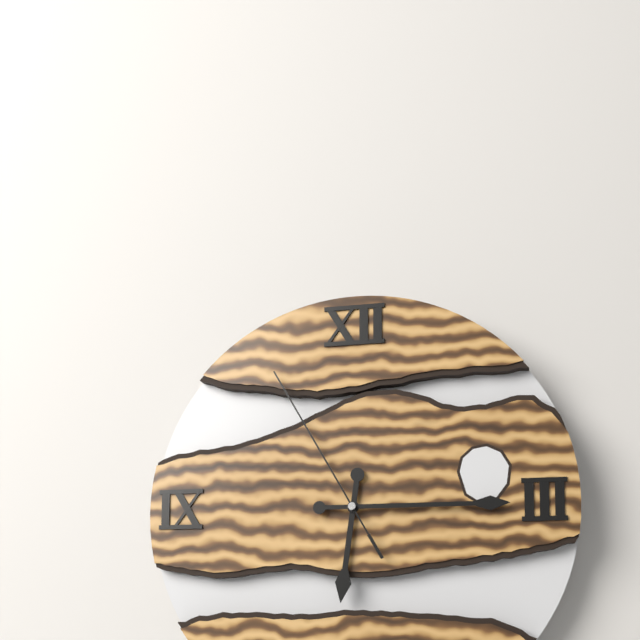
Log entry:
h=6 m=15 s=55
